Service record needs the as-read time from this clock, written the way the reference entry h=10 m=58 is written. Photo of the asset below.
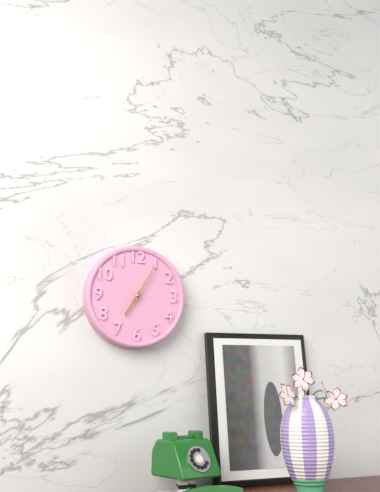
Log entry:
h=7 m=5
